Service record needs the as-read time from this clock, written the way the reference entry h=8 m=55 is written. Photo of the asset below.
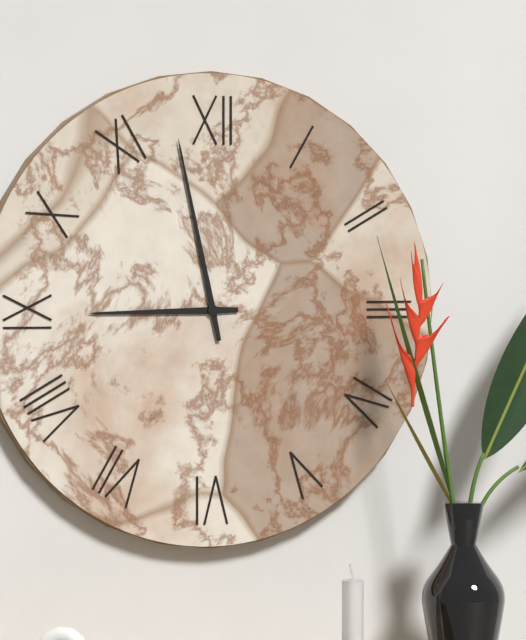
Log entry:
h=8 m=58
